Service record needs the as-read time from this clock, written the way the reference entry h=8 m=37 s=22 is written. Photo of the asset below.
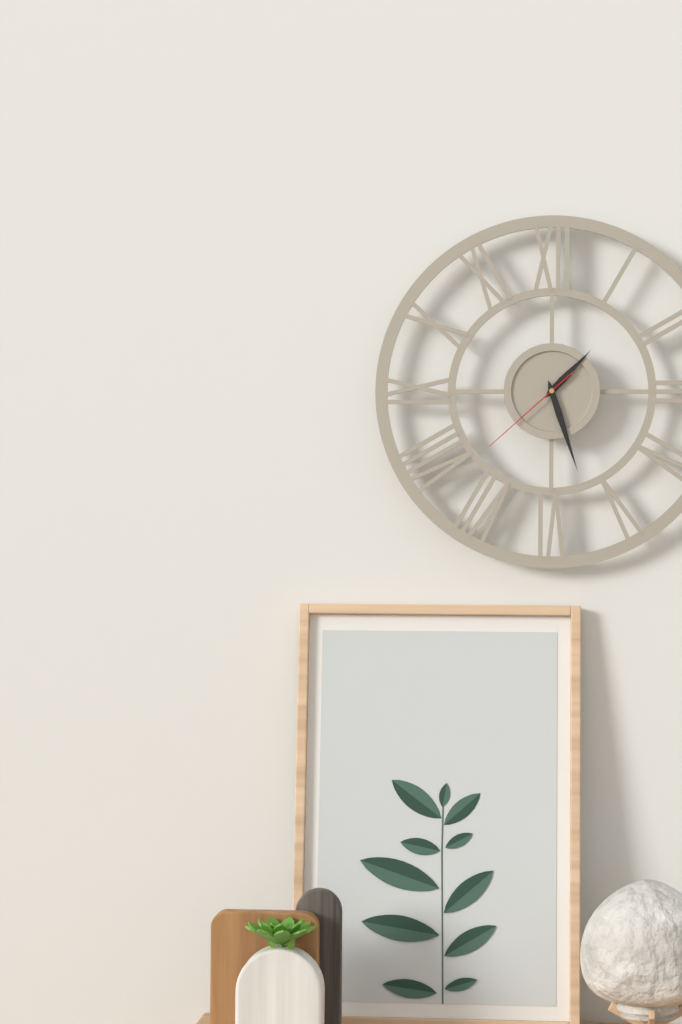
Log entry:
h=1 m=27 s=38
